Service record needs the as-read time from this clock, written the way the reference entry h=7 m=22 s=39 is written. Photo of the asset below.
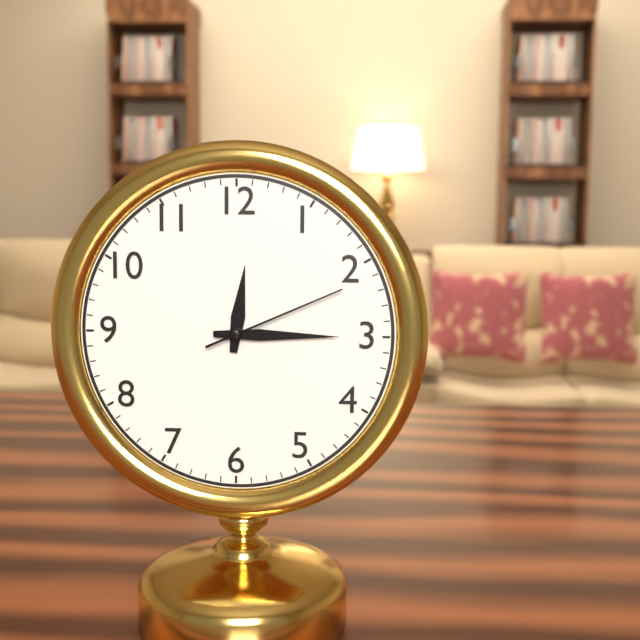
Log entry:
h=12 m=15 s=11
